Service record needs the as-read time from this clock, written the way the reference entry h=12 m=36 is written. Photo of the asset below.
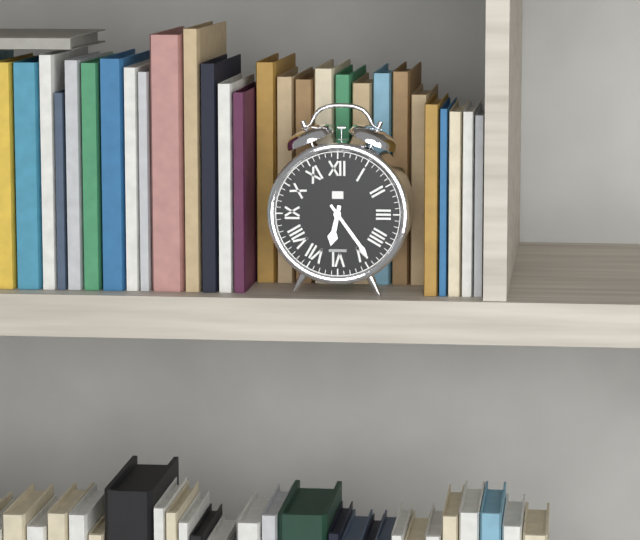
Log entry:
h=6 m=24
